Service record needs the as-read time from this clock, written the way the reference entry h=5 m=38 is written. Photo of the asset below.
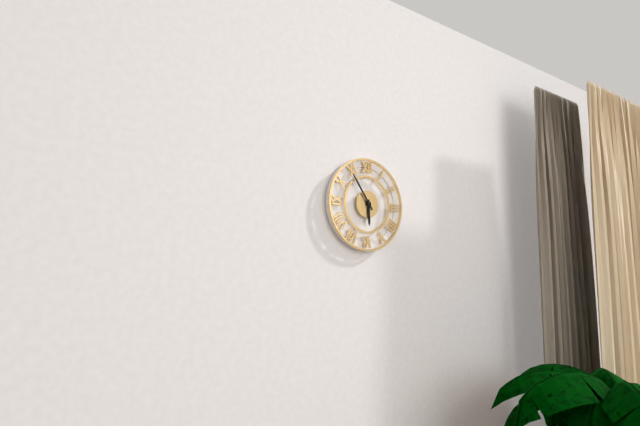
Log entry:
h=5 m=54
